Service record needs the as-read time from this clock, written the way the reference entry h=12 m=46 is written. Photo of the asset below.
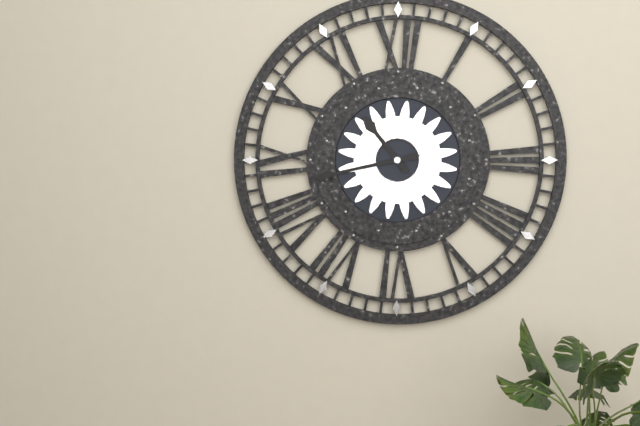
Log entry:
h=10 m=43
